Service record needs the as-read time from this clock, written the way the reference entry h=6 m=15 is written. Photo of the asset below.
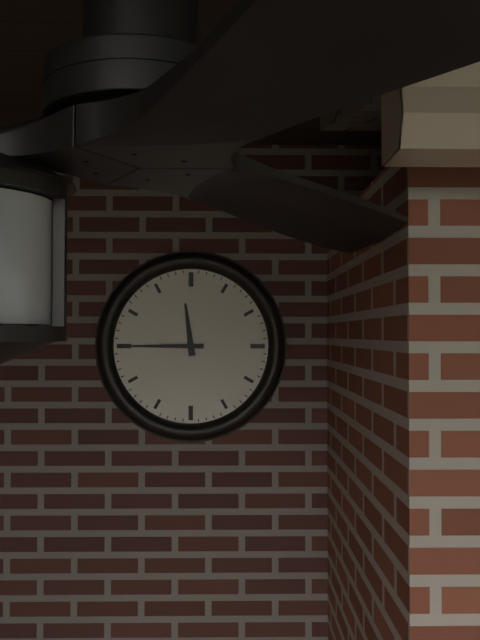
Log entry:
h=11 m=45
